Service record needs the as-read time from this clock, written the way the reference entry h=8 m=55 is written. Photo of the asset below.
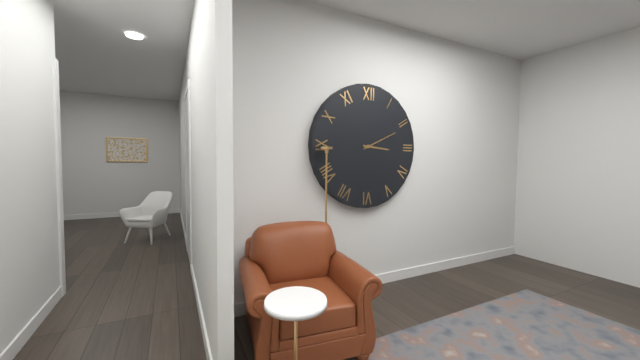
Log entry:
h=3 m=11
